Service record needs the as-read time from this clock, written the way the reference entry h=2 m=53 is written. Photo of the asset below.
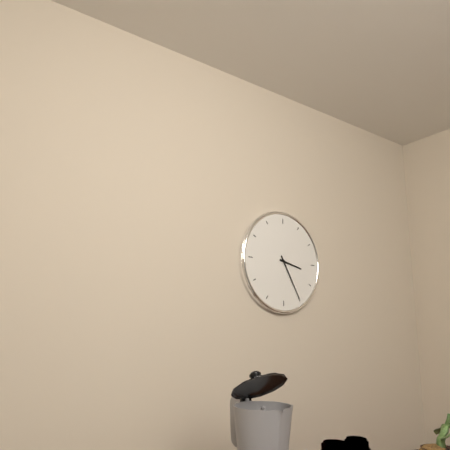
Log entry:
h=3 m=25
